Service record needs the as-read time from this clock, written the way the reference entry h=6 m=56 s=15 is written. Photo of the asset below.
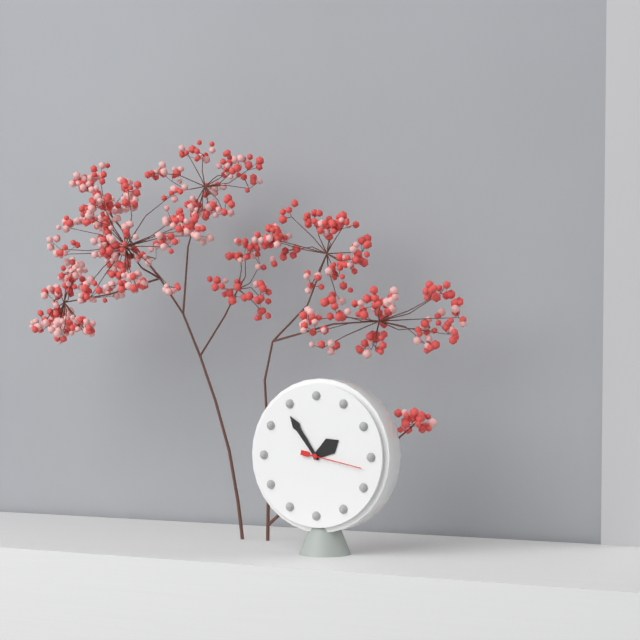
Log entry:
h=1 m=54 s=17
